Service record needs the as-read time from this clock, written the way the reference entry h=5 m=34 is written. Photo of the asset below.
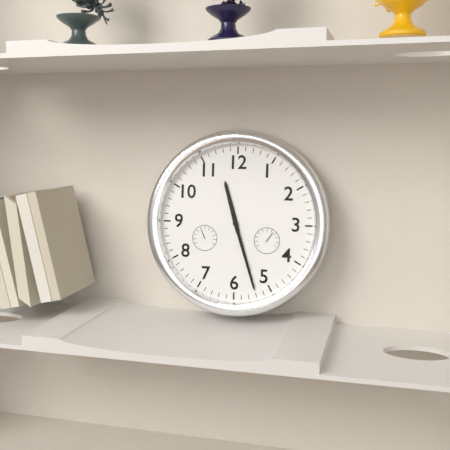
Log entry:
h=11 m=27
